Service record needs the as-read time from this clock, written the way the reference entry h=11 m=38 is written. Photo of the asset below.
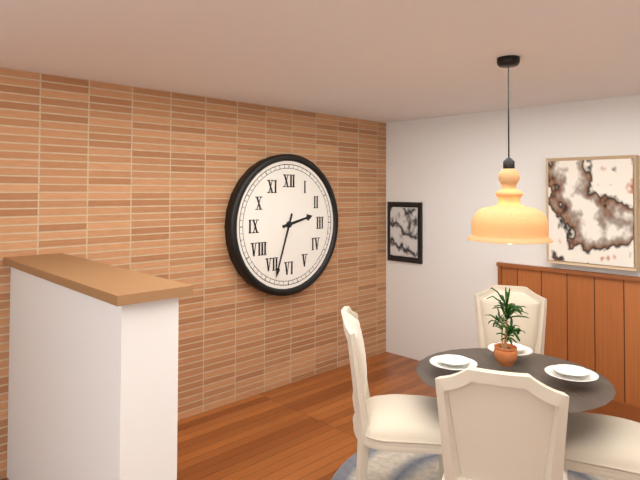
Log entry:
h=2 m=33
